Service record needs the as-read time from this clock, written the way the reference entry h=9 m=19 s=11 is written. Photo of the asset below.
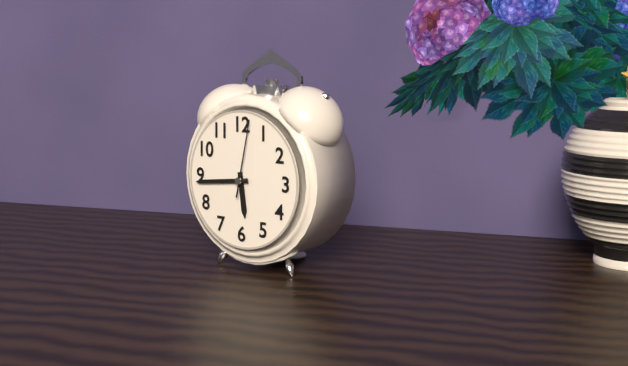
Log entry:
h=5 m=44 s=2
